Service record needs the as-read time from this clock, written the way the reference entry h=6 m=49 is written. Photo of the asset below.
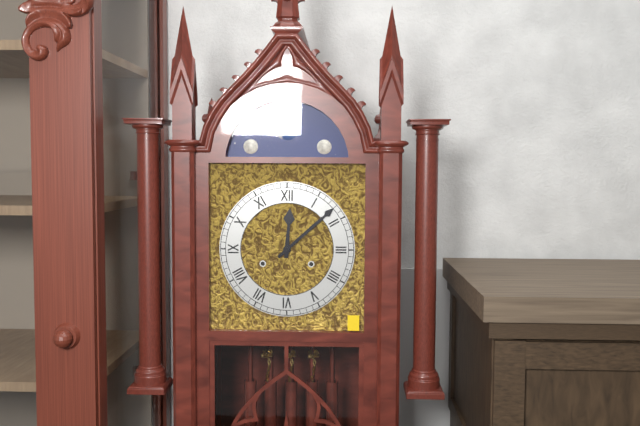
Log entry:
h=12 m=8
